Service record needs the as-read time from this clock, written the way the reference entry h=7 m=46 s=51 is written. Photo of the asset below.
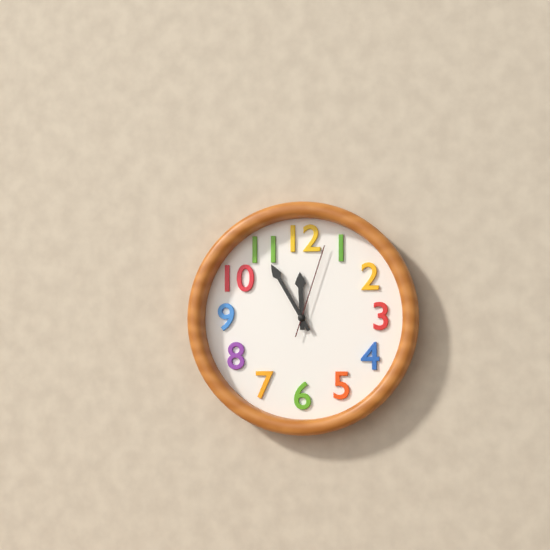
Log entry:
h=11 m=55 s=3
